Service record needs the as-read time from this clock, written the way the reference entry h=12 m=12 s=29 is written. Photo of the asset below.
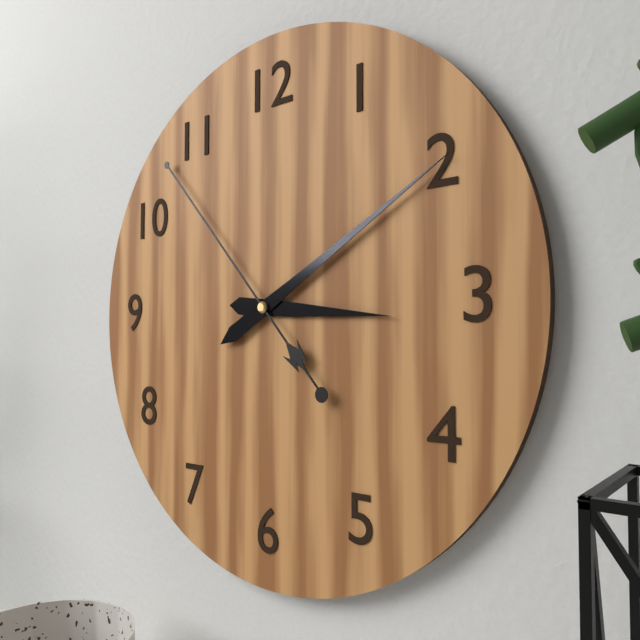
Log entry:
h=3 m=10 s=53
